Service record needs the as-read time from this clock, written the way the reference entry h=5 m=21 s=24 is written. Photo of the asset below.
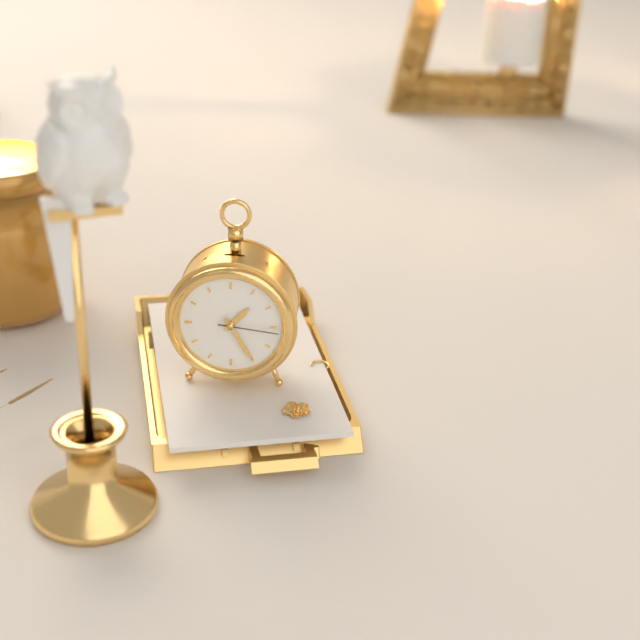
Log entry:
h=1 m=25 s=16
